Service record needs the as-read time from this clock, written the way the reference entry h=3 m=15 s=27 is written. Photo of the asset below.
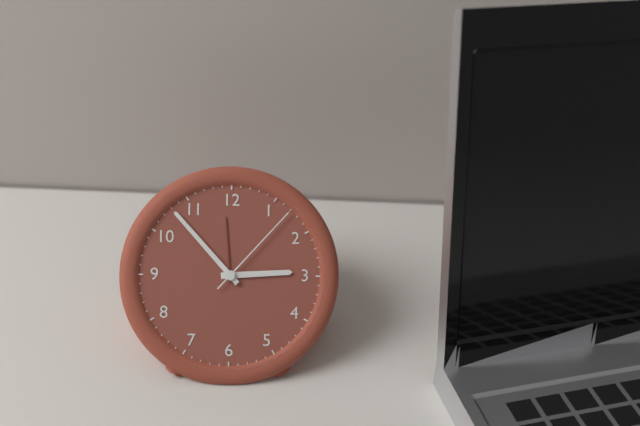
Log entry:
h=2 m=53 s=7
